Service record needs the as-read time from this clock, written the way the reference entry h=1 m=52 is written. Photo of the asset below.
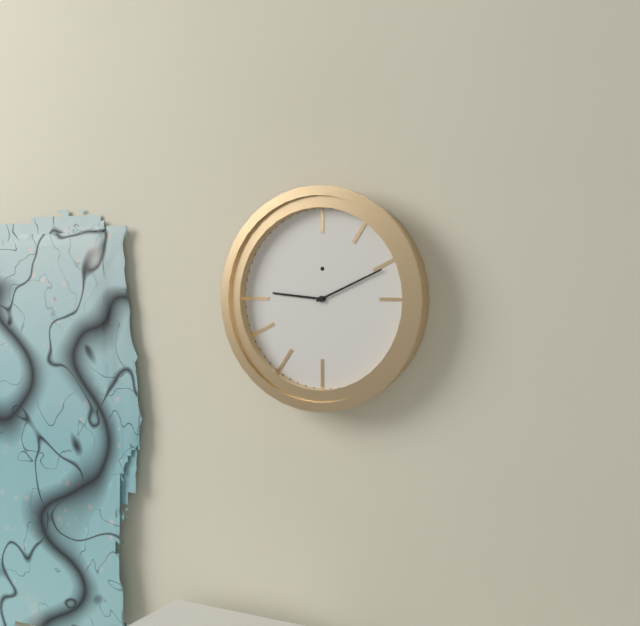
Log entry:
h=9 m=11
